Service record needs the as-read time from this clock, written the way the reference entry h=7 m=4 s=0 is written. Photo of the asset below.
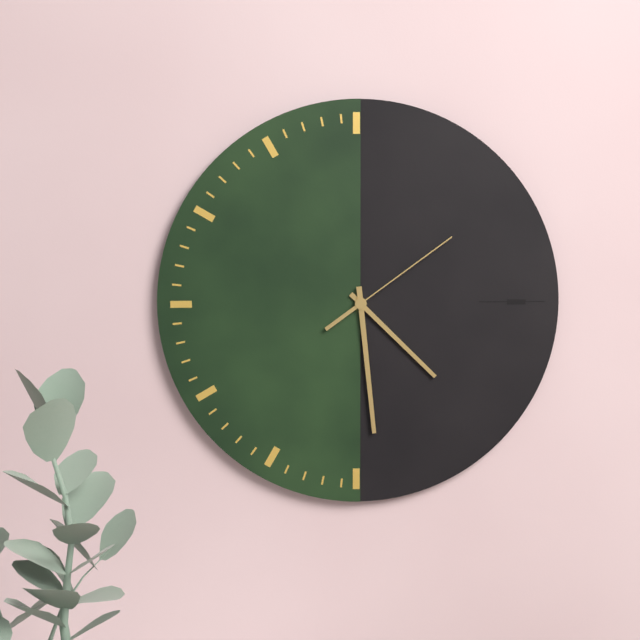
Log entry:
h=4 m=29 s=9
